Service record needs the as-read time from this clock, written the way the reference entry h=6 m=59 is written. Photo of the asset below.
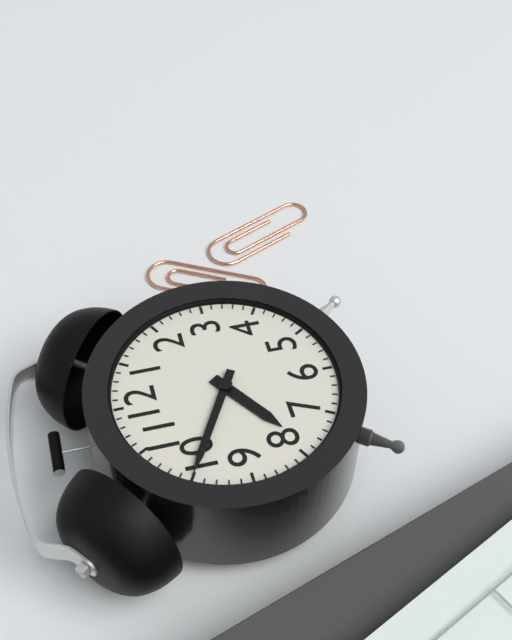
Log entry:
h=7 m=50
